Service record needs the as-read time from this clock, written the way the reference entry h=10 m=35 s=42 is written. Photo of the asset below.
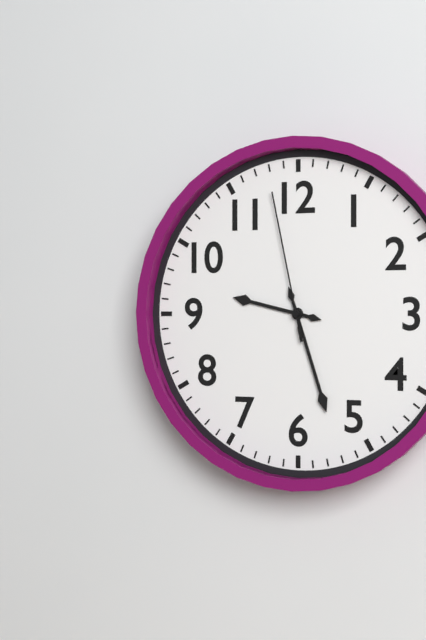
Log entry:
h=9 m=27 s=58
